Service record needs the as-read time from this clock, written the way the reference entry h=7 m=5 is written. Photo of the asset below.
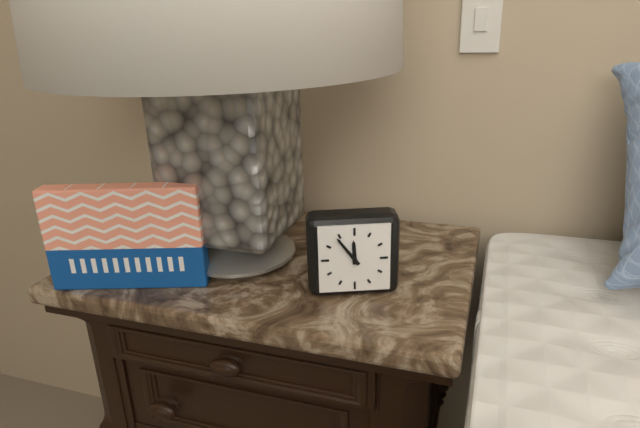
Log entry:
h=11 m=54
